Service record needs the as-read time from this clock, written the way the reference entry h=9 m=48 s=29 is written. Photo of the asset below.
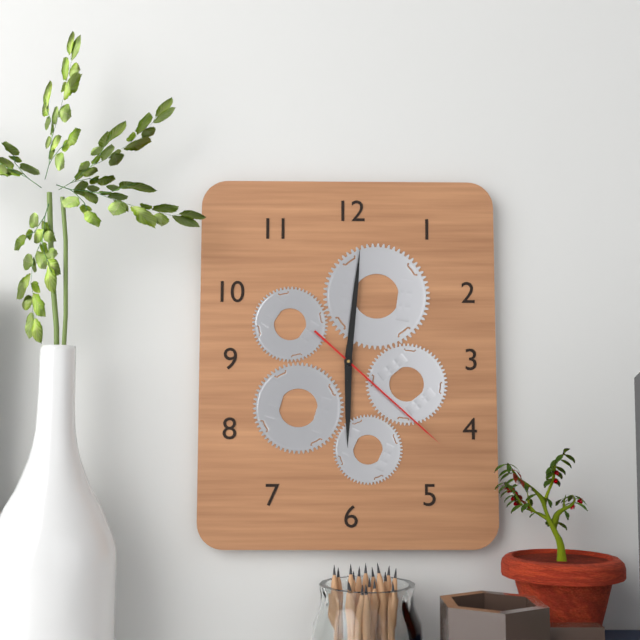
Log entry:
h=6 m=1 s=22
